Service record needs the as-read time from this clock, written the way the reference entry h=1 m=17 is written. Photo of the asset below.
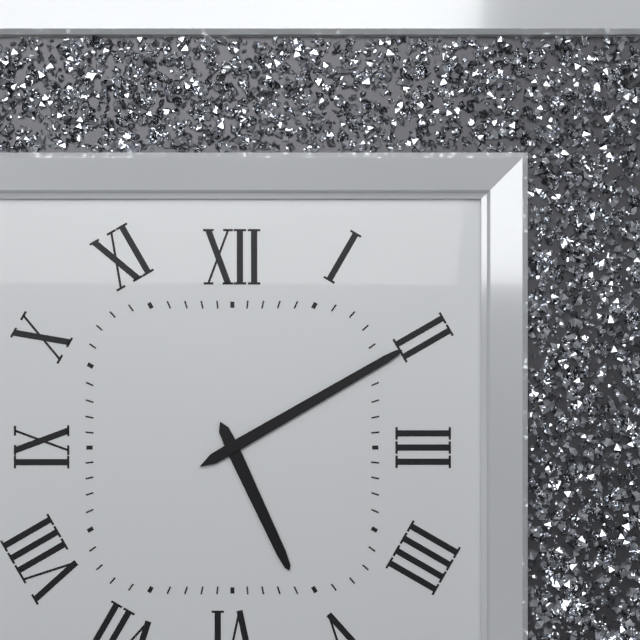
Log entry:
h=5 m=10
